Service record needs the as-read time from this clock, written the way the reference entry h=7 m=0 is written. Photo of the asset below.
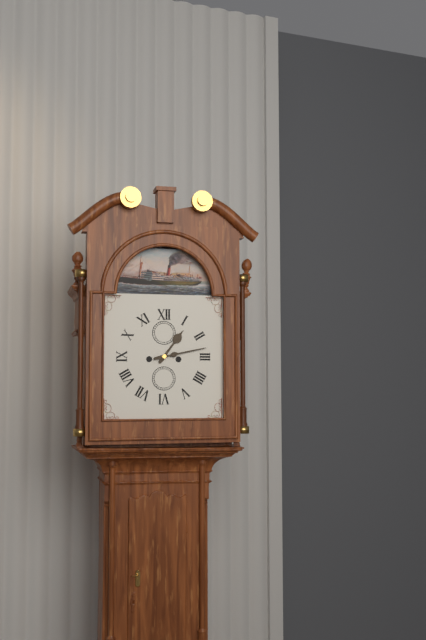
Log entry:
h=1 m=13
